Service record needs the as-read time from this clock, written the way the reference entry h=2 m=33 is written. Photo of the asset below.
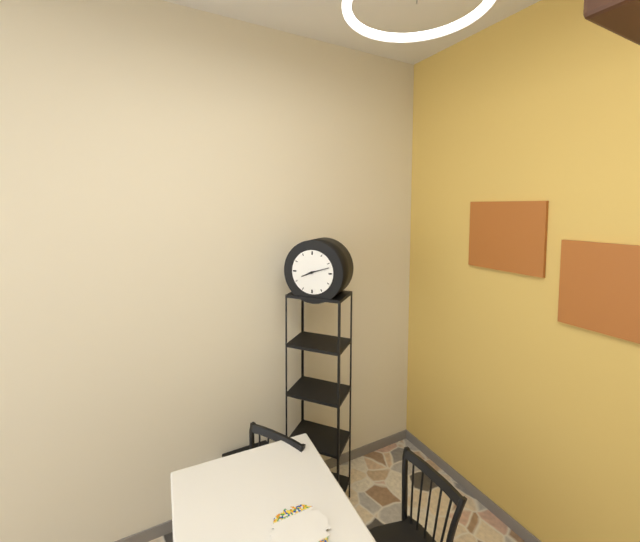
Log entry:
h=8 m=12
